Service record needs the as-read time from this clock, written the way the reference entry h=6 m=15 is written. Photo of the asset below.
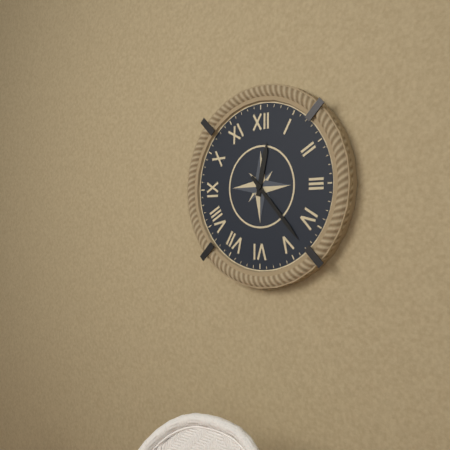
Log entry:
h=12 m=23
